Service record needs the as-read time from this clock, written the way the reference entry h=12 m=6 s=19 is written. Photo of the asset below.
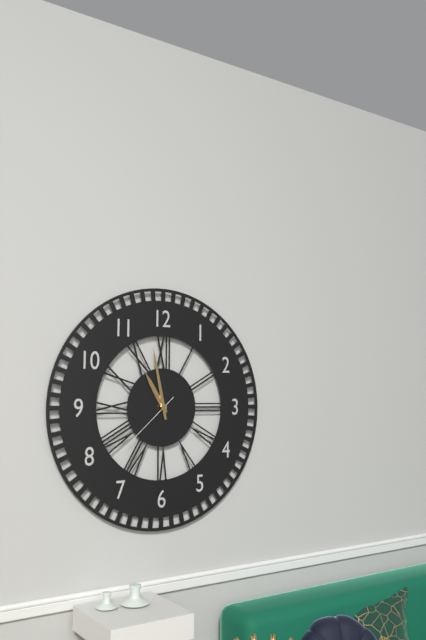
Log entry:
h=10 m=58 s=38
